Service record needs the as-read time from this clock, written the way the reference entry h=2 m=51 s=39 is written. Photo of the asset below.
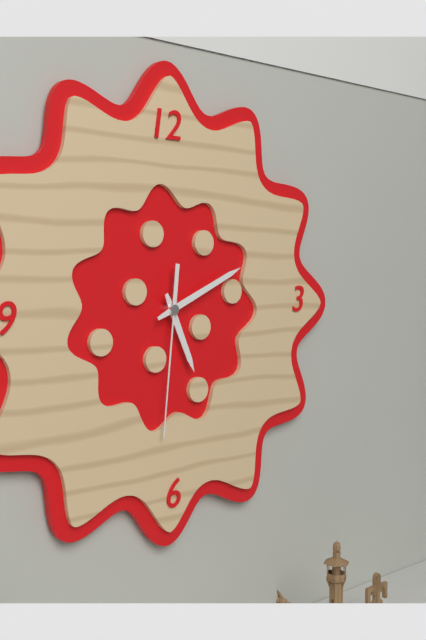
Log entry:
h=5 m=11 s=31
